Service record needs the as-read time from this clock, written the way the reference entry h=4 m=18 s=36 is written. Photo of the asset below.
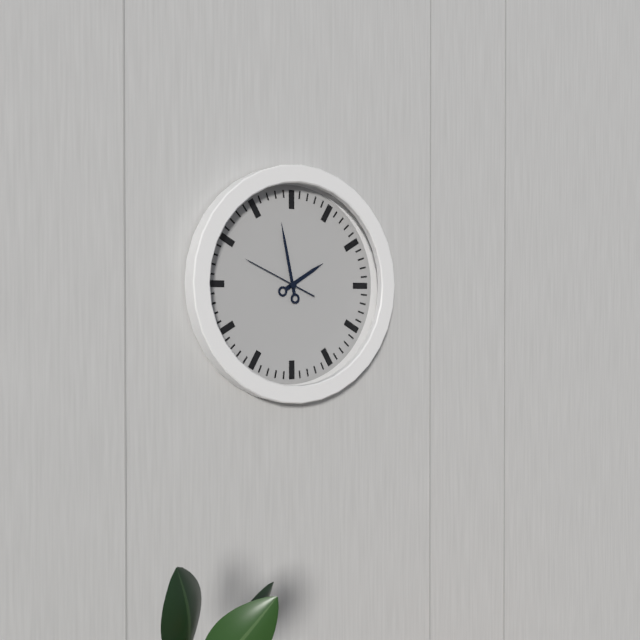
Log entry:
h=1 m=58 s=49
